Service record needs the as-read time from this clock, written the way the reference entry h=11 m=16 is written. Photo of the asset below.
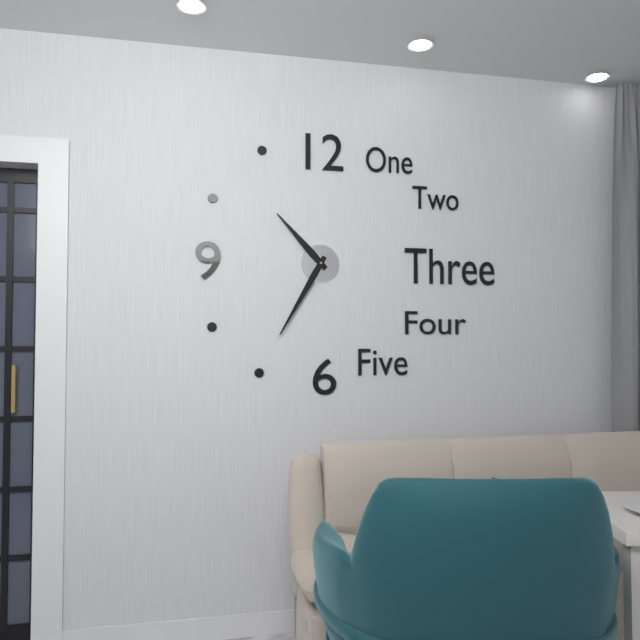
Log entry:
h=10 m=35
